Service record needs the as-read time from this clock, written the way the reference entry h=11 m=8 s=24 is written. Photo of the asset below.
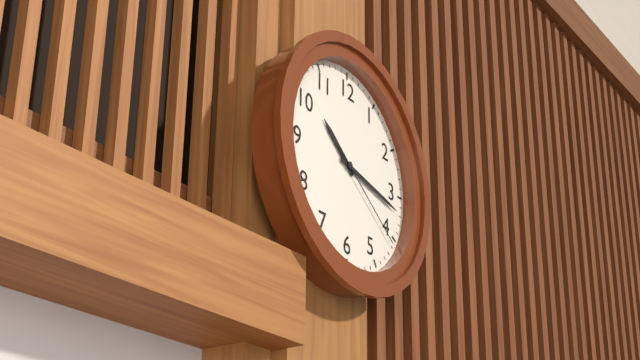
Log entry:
h=10 m=17 s=21
